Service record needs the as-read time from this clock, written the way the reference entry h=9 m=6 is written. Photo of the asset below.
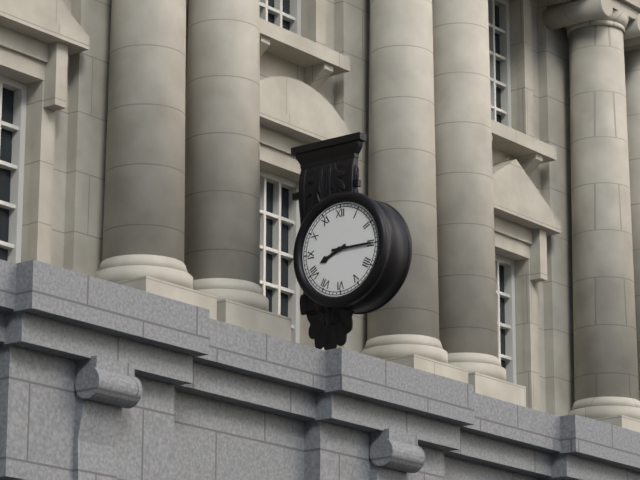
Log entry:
h=8 m=15
